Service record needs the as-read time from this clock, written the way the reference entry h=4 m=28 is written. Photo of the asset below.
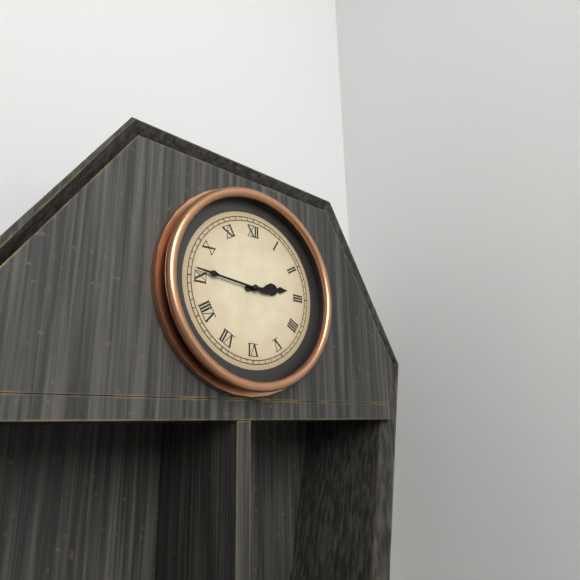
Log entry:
h=2 m=46
